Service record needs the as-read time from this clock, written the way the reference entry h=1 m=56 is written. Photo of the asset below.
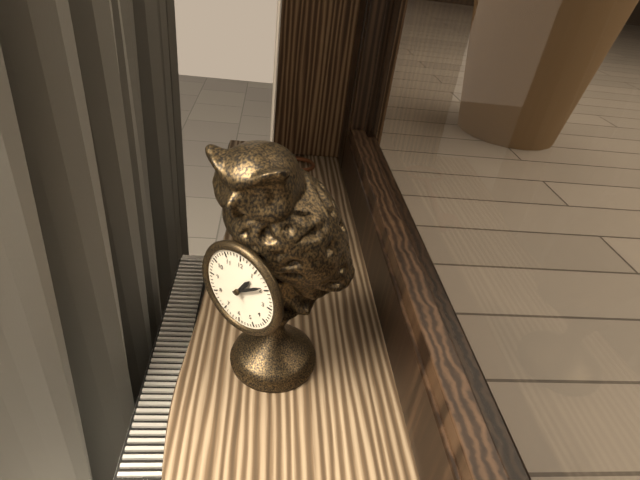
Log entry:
h=1 m=9
